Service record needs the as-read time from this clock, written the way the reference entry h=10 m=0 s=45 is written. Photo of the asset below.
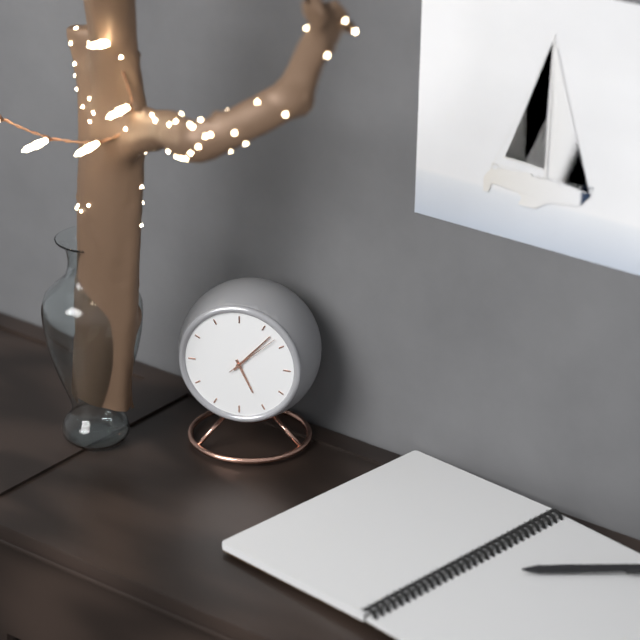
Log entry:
h=5 m=7 s=8
